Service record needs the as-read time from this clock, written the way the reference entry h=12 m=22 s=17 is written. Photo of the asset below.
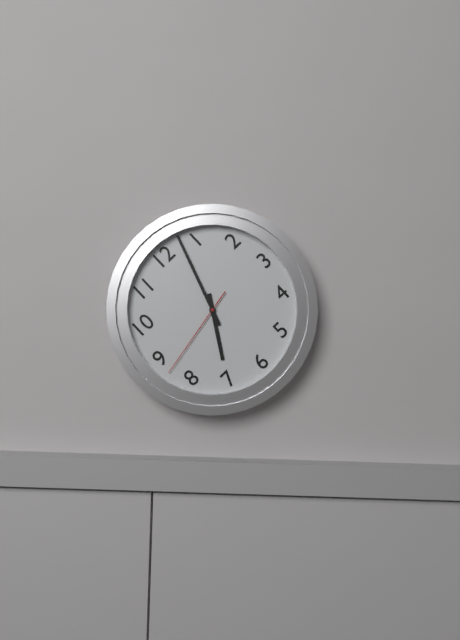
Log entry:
h=7 m=3 s=43
